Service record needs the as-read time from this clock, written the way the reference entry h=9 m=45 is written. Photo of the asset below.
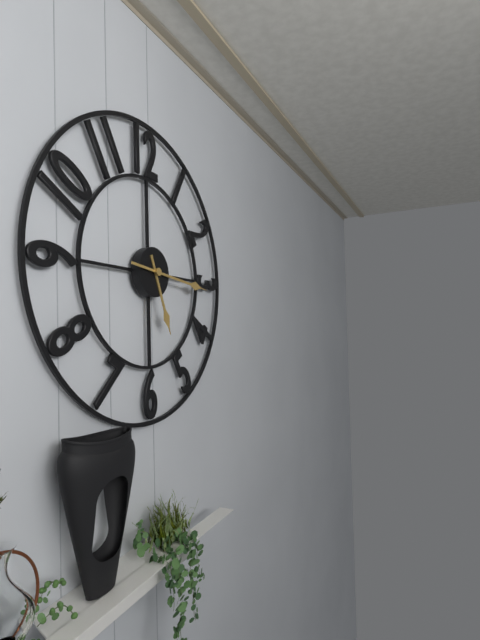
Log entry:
h=5 m=16
